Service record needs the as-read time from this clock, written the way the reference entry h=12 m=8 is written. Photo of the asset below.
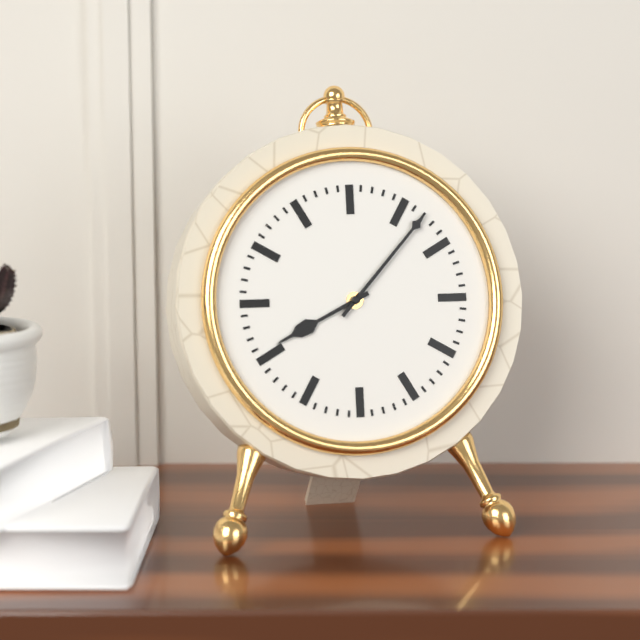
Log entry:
h=8 m=7
